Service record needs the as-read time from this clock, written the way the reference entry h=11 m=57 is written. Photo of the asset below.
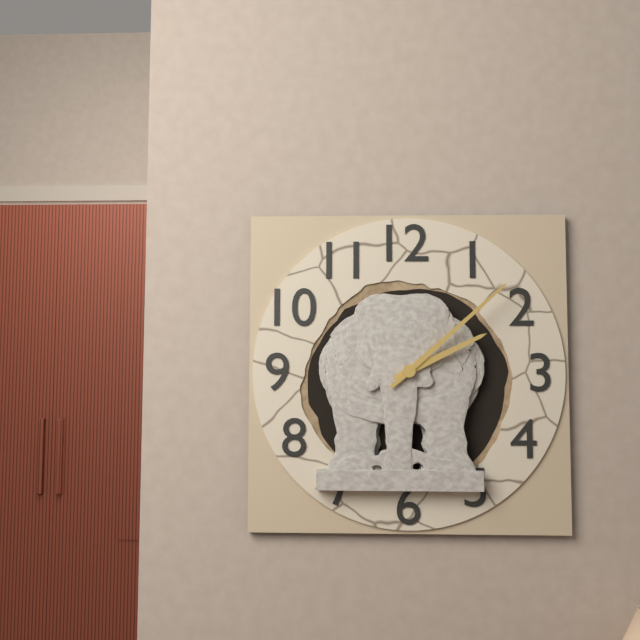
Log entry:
h=2 m=8
